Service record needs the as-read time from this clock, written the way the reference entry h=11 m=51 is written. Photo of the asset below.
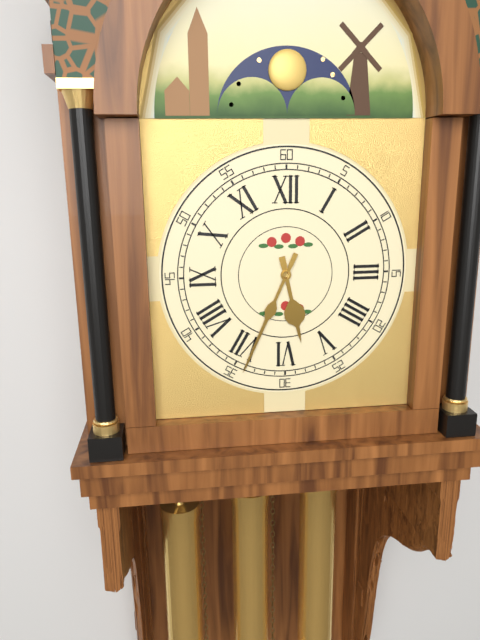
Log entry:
h=5 m=34
